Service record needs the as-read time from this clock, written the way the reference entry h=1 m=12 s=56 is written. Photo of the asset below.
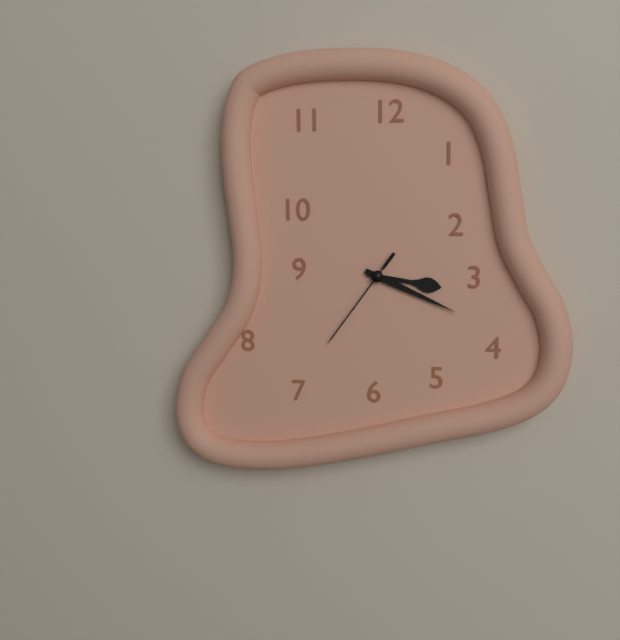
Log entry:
h=3 m=19 s=36
